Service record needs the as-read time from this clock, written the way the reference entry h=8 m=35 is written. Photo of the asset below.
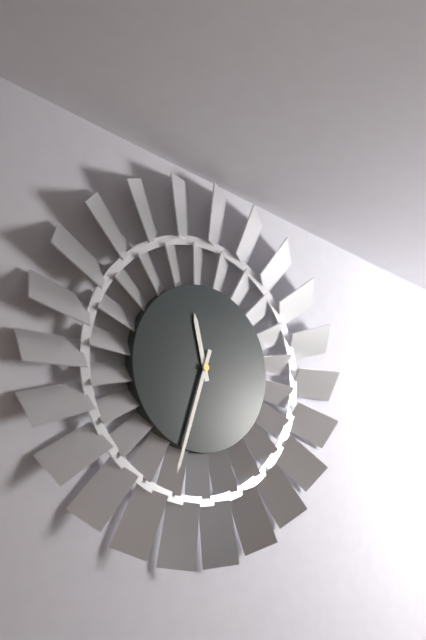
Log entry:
h=11 m=33
